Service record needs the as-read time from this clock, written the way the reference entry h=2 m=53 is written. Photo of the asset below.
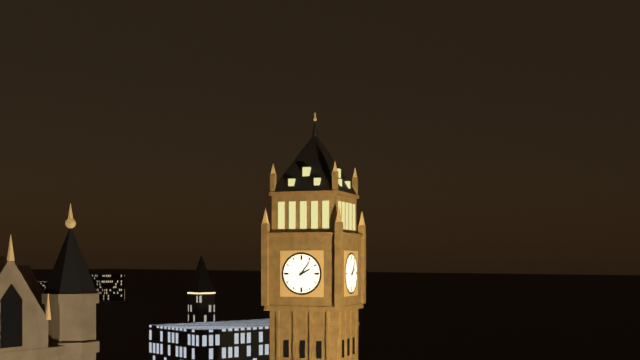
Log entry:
h=2 m=6
